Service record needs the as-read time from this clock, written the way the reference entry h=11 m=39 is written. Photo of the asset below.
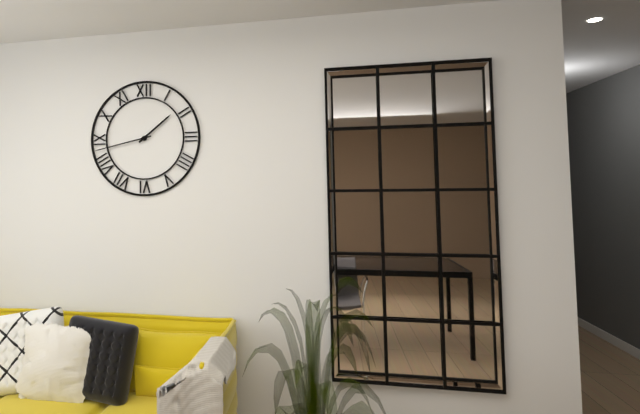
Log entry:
h=1 m=43
